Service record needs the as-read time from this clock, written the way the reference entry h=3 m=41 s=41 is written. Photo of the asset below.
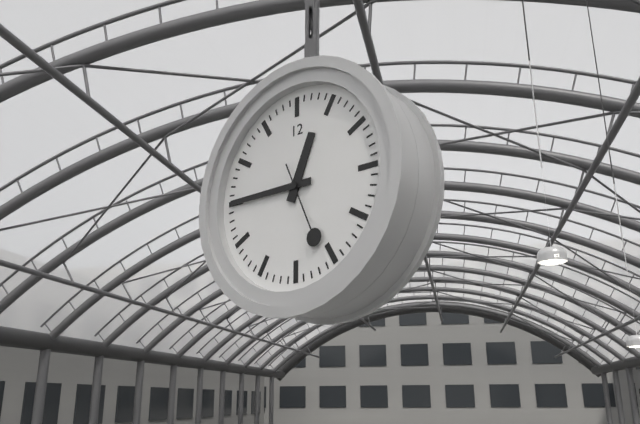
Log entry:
h=12 m=45 s=26
